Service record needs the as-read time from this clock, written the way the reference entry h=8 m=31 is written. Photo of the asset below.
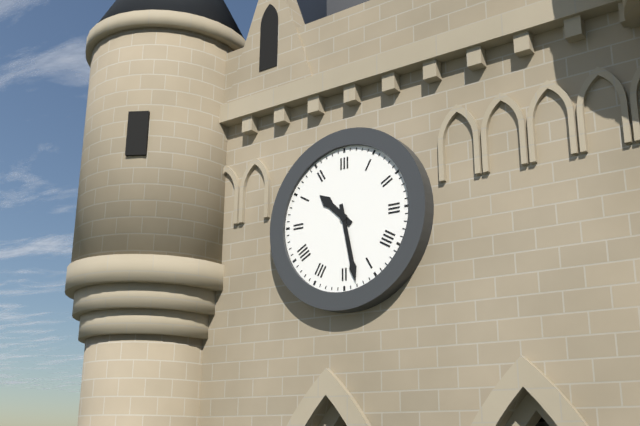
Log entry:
h=10 m=28
